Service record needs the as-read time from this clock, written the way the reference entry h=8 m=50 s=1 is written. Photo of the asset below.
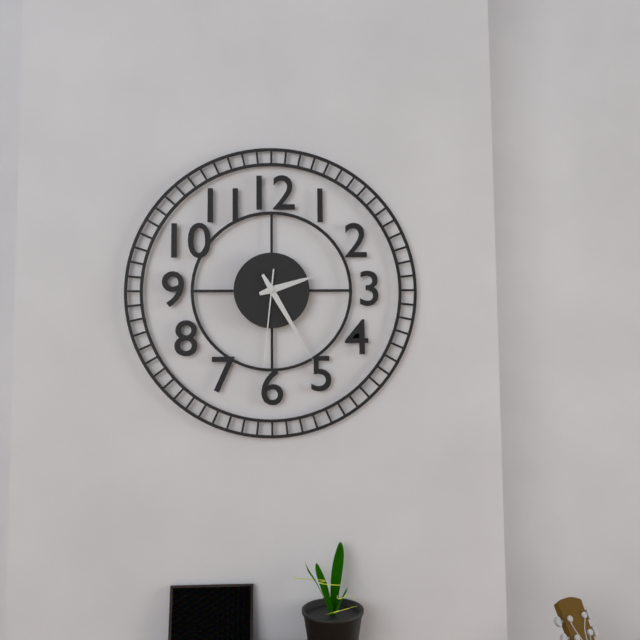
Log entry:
h=2 m=25 s=31
